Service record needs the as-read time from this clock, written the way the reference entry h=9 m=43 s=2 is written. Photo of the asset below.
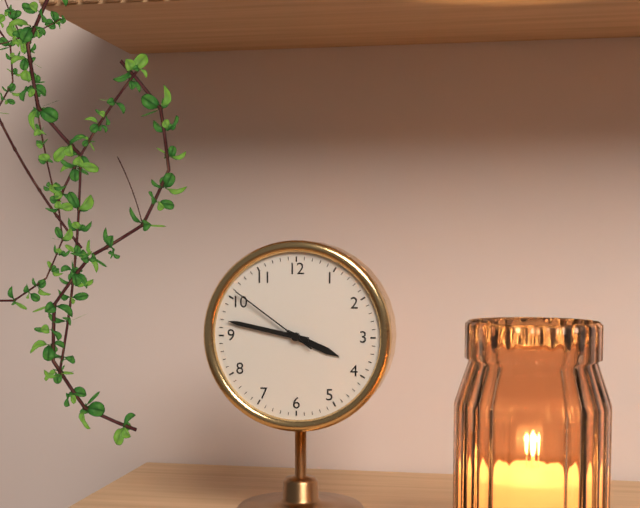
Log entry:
h=3 m=47 s=51
